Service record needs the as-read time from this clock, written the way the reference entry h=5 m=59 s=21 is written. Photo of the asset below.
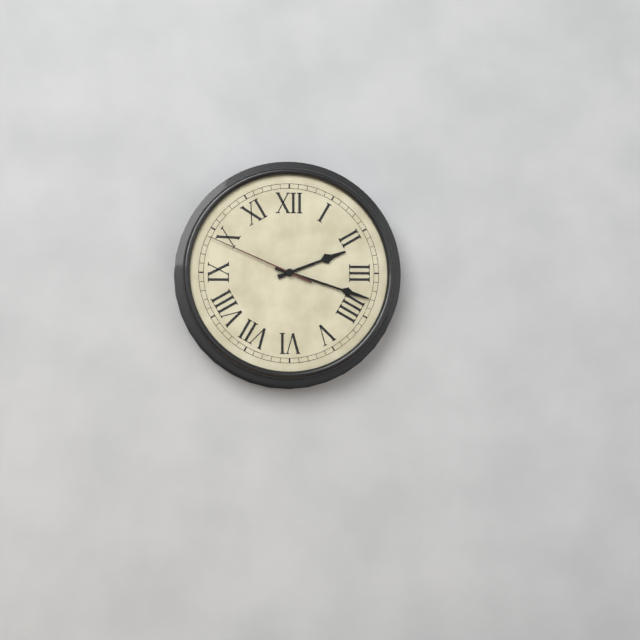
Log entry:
h=2 m=18 s=49
